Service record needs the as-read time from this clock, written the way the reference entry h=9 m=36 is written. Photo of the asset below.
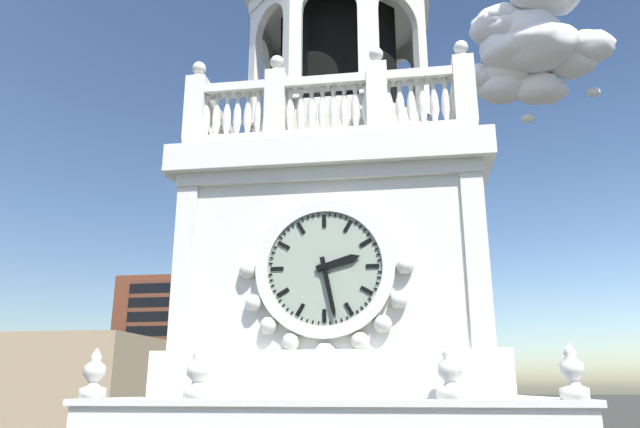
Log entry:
h=2 m=28
